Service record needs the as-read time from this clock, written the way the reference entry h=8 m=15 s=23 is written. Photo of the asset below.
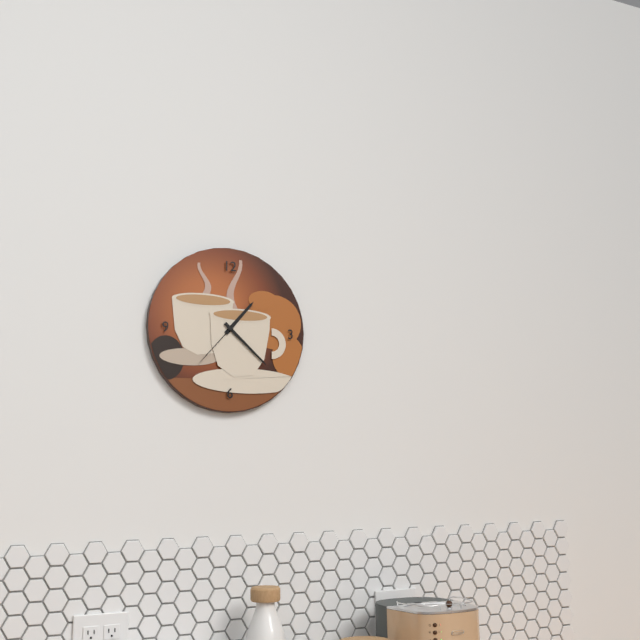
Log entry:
h=1 m=22 s=37
